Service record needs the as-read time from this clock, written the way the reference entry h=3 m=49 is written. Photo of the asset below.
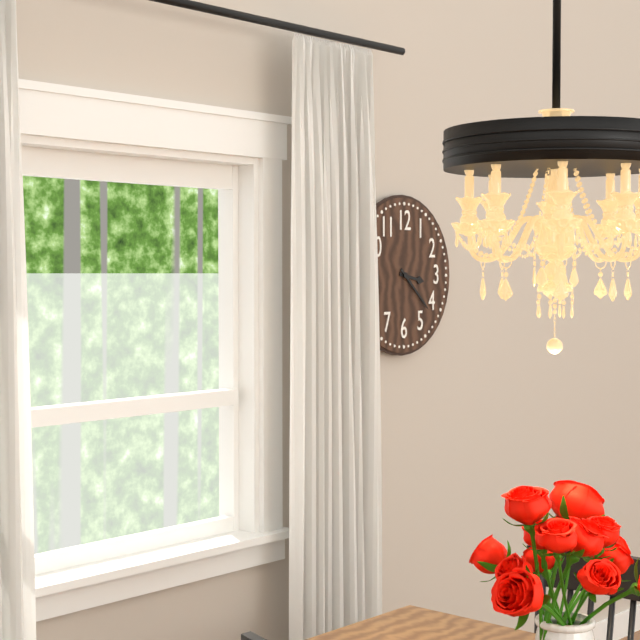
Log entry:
h=3 m=22
